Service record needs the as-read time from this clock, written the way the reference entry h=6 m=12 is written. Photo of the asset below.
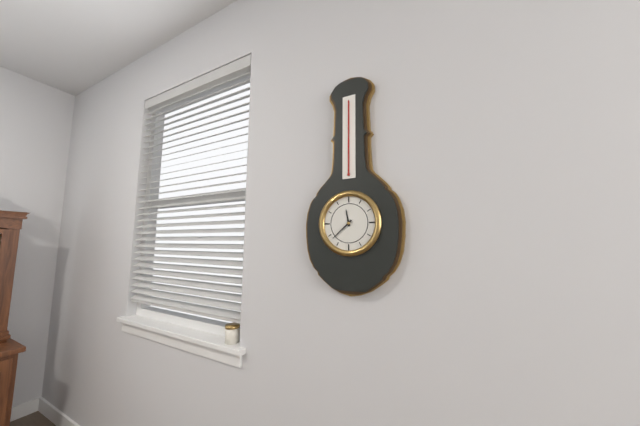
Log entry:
h=11 m=38
